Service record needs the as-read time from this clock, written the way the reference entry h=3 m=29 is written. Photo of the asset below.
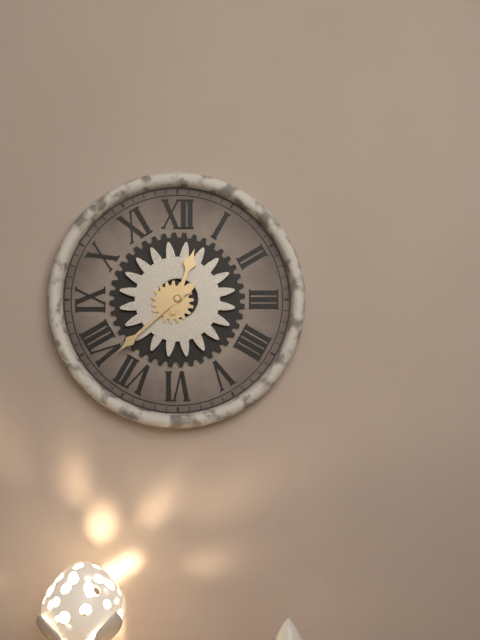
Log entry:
h=12 m=38
